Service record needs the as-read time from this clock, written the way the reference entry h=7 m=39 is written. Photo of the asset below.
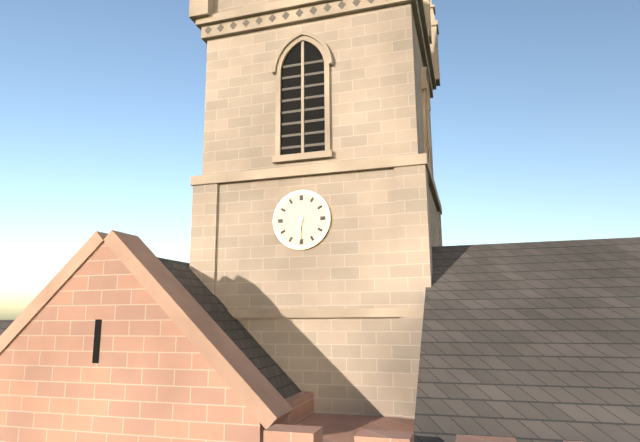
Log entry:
h=6 m=31
